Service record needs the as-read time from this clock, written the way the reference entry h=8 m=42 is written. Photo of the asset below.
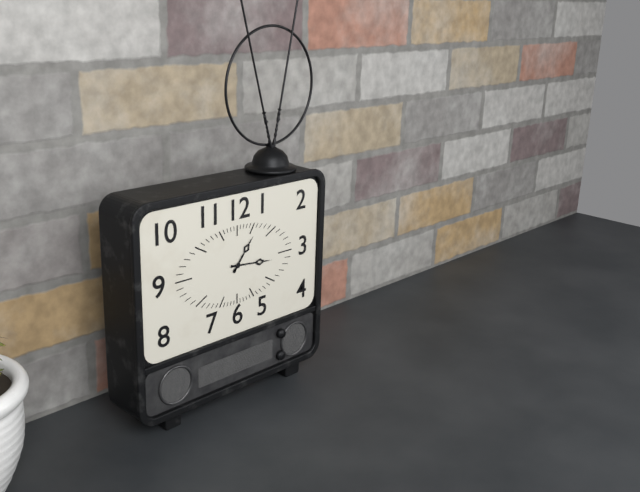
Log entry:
h=1 m=16
